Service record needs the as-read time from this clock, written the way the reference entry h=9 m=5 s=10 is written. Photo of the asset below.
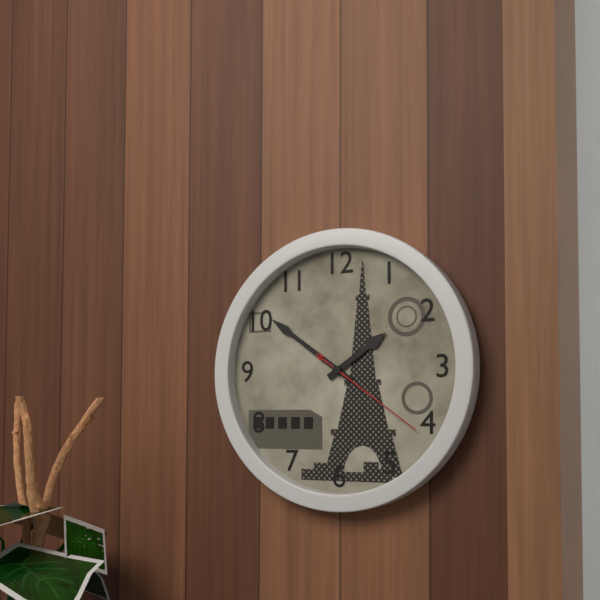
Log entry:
h=1 m=51 s=21
